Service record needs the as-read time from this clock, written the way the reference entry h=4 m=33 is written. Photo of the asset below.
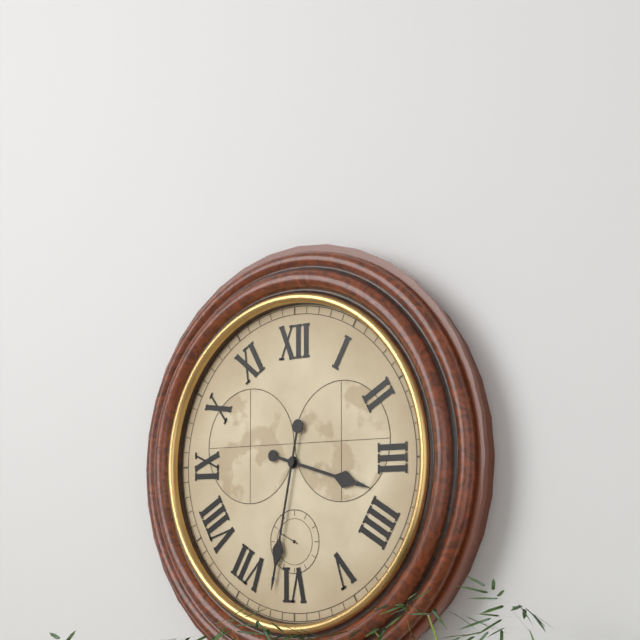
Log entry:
h=3 m=32
